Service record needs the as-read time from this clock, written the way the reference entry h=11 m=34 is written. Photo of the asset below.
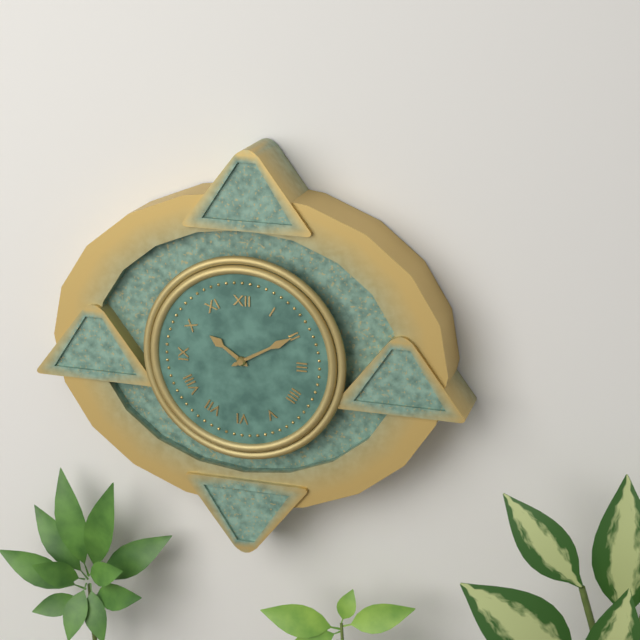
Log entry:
h=10 m=10
